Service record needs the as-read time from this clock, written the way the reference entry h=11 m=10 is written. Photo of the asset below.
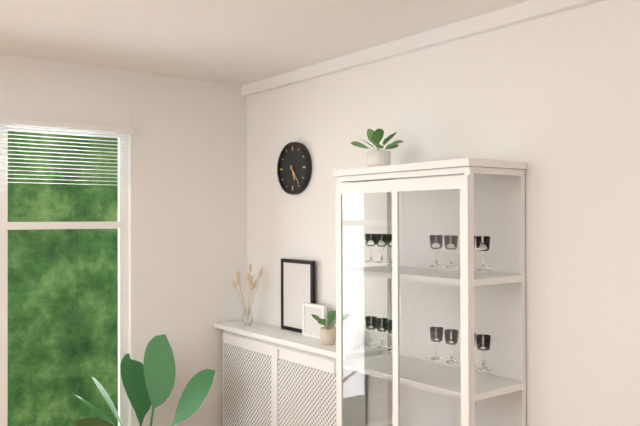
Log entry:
h=5 m=24
